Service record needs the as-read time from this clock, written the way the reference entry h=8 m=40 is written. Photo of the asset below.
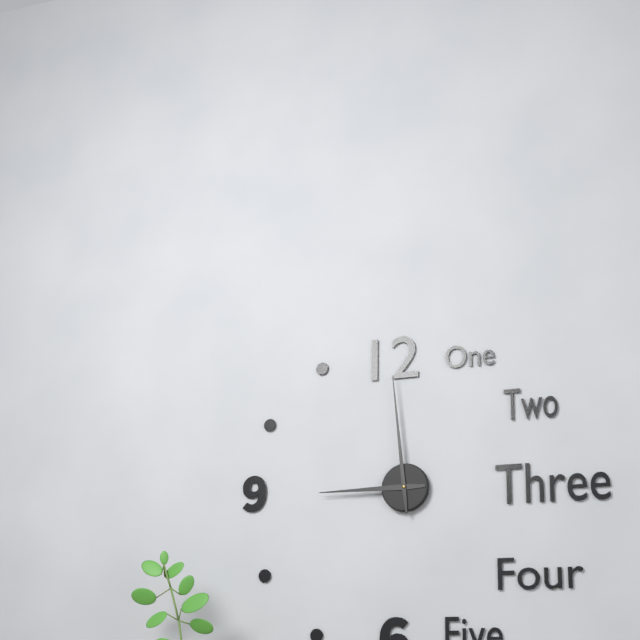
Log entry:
h=8 m=59
